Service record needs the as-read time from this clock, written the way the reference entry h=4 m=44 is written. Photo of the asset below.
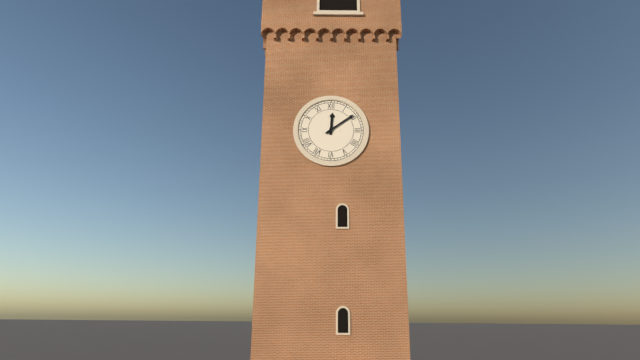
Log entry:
h=12 m=9
